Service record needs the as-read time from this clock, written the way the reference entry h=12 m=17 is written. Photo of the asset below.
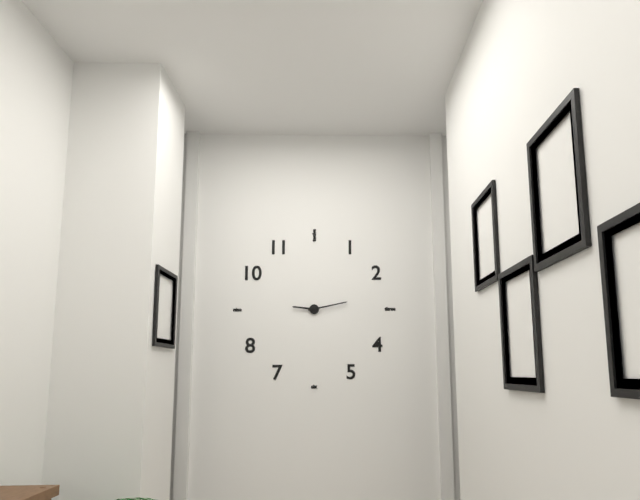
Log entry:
h=9 m=13
